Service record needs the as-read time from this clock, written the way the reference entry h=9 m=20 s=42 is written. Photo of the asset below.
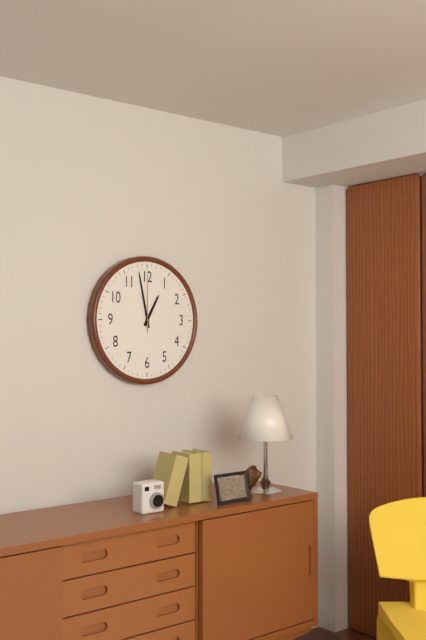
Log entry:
h=12 m=58 s=0
